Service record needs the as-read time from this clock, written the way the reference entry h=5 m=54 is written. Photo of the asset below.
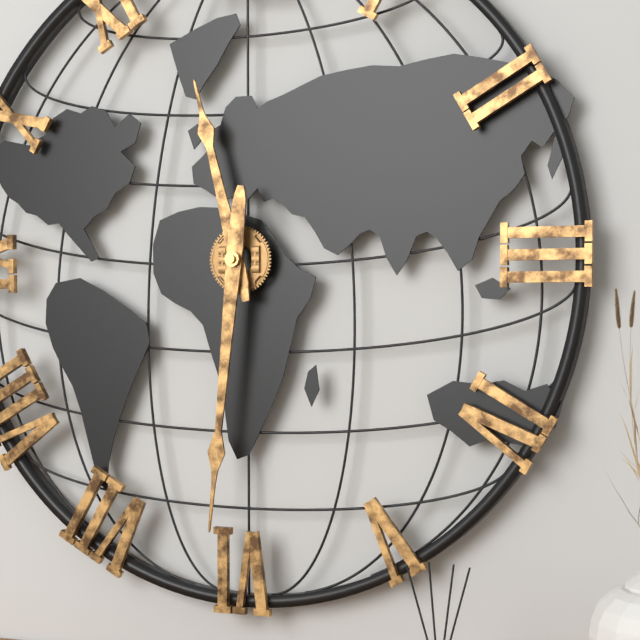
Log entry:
h=11 m=31
